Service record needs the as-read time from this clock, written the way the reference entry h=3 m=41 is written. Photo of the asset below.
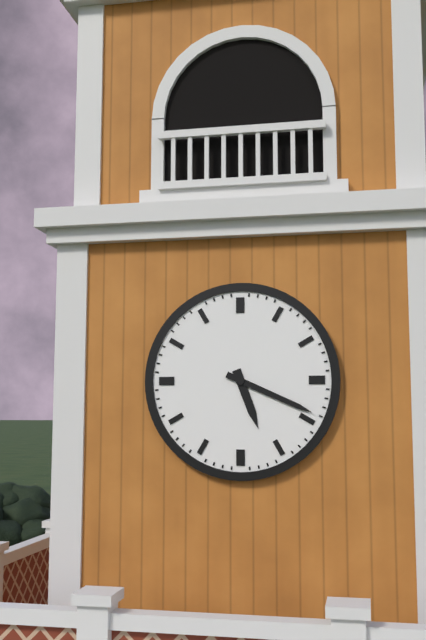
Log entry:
h=5 m=19
